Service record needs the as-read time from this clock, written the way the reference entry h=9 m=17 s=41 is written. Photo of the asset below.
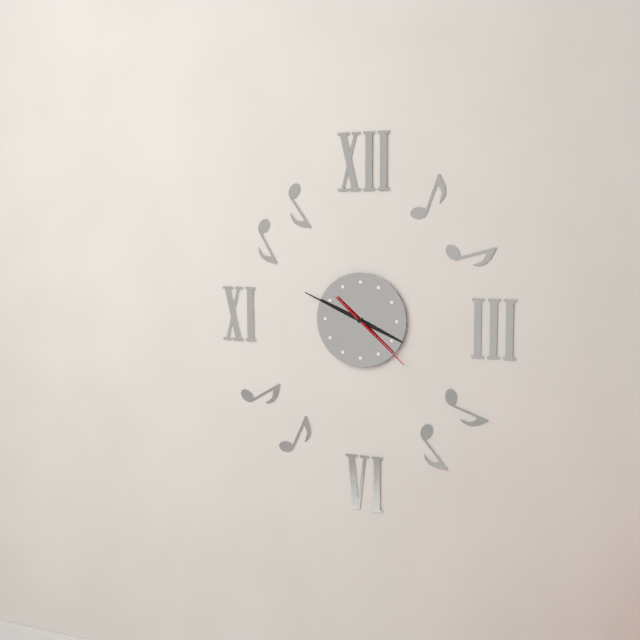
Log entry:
h=3 m=49 s=22
